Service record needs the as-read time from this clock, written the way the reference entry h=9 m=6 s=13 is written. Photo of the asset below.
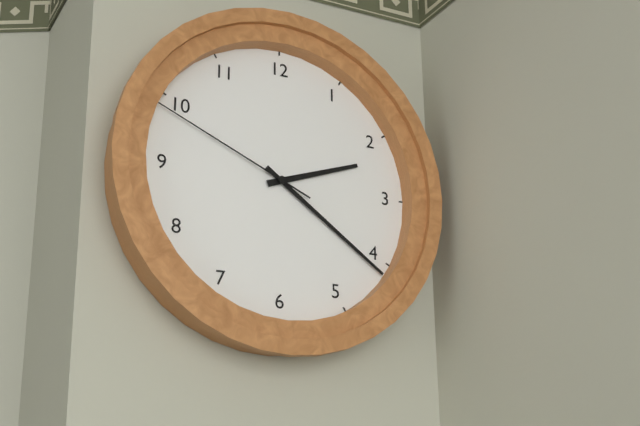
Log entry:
h=2 m=21 s=49
